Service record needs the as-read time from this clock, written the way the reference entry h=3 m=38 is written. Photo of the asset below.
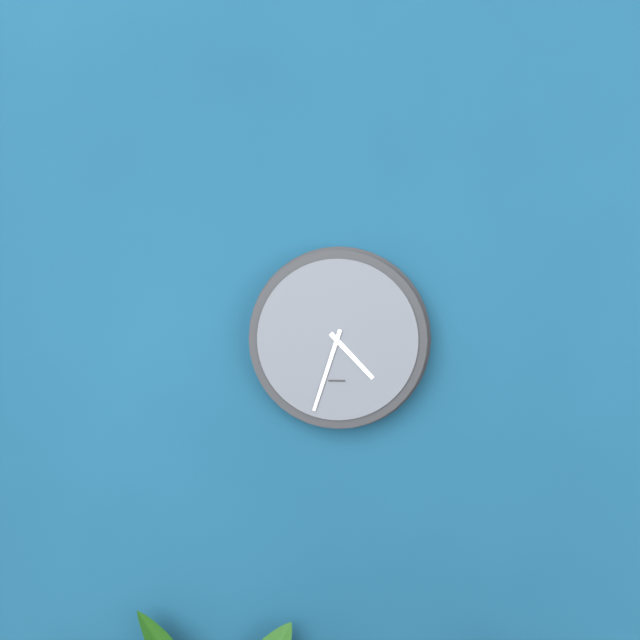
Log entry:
h=4 m=33
